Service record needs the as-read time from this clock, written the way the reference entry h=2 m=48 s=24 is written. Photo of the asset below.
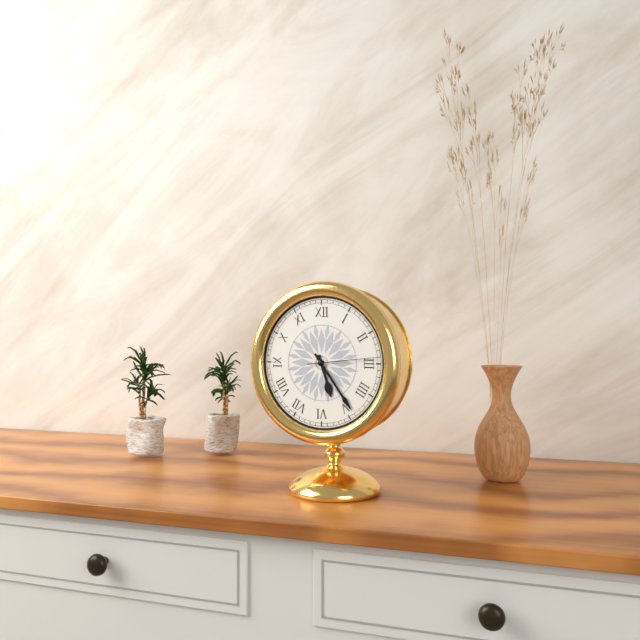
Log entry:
h=5 m=24 s=14
